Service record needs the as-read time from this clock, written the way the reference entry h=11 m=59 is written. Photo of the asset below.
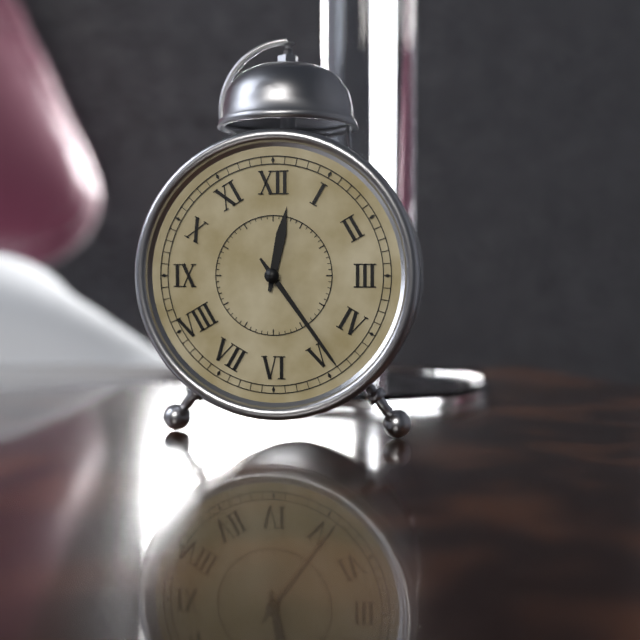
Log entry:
h=12 m=24
